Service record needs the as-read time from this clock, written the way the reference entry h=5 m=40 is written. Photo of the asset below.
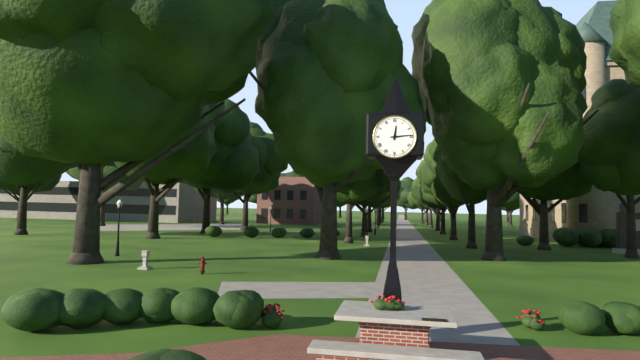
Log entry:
h=12 m=14
